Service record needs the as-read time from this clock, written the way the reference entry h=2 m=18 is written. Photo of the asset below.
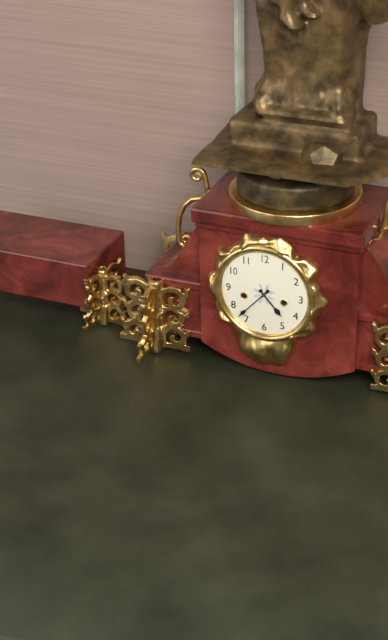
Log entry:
h=4 m=37
